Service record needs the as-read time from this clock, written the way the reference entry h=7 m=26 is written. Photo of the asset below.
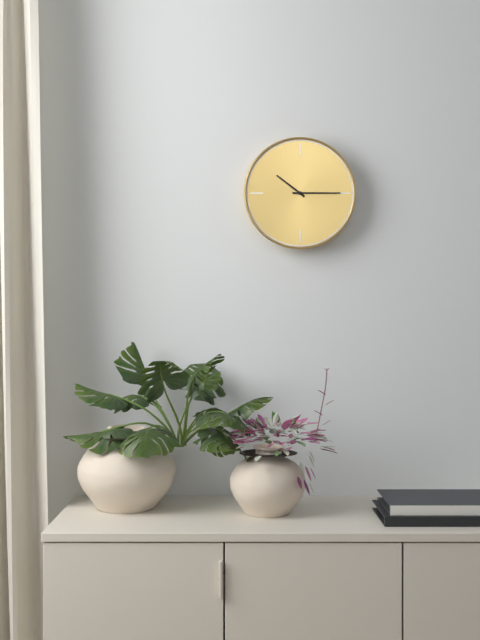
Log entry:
h=10 m=15
